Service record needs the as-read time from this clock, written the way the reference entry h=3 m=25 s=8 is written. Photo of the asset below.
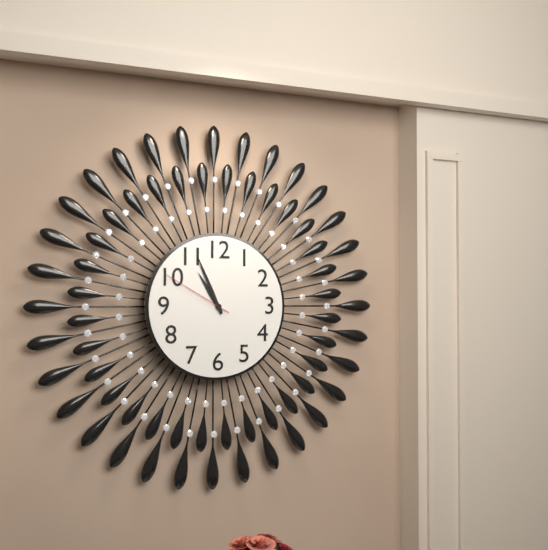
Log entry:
h=10 m=56 s=50
